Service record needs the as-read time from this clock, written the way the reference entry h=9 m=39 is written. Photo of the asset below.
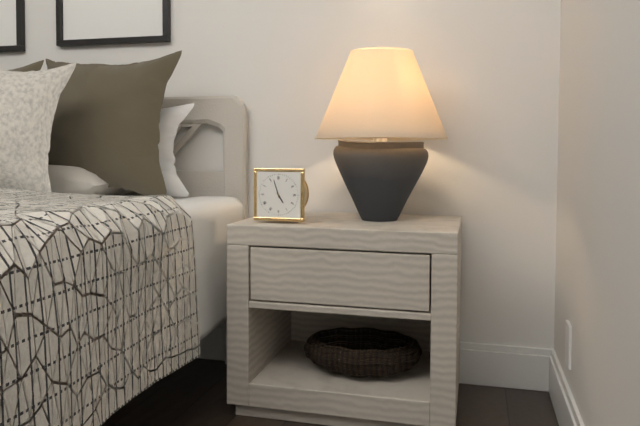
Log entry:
h=4 m=57
